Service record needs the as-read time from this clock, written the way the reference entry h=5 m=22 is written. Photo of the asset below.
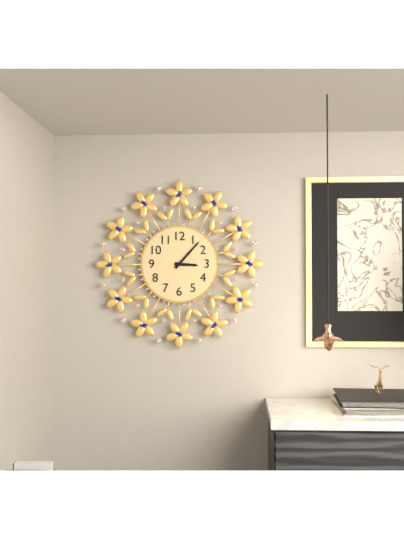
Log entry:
h=3 m=7
